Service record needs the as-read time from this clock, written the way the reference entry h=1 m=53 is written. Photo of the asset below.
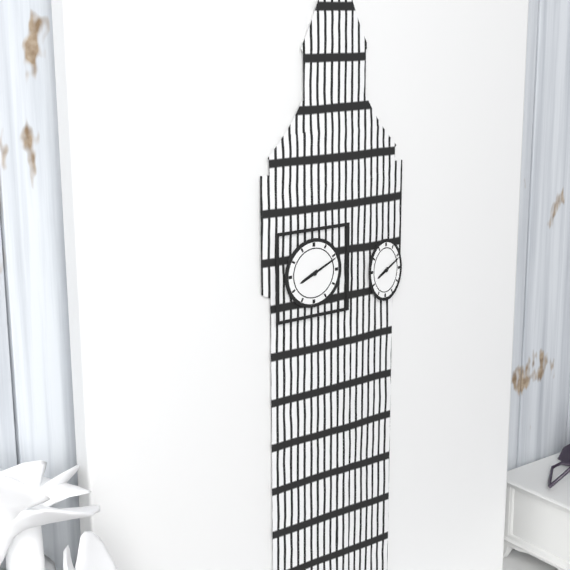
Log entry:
h=8 m=11
